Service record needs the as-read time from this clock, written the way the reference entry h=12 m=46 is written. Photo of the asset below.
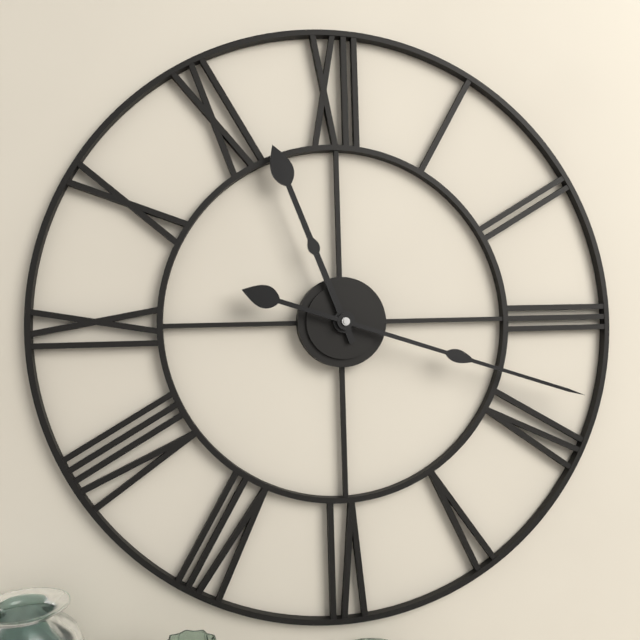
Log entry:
h=11 m=18
